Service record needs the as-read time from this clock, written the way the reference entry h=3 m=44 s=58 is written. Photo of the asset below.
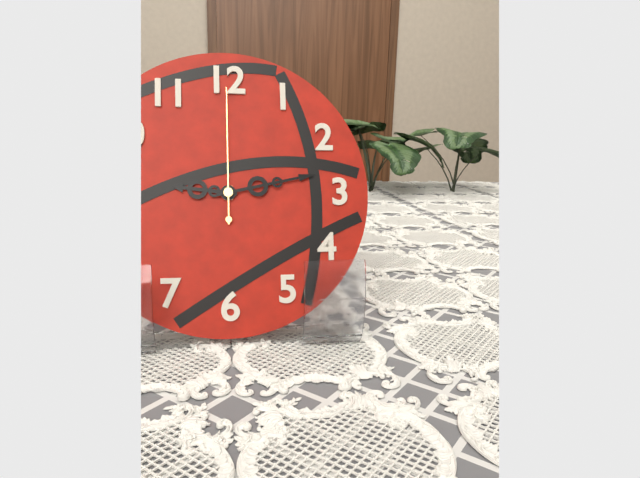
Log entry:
h=9 m=13 s=0
